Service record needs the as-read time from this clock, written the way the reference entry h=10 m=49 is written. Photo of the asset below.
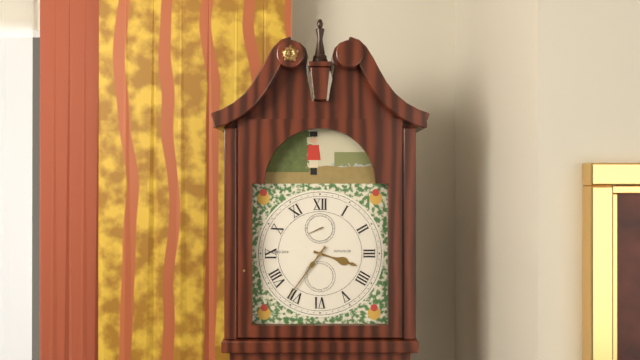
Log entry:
h=3 m=36
